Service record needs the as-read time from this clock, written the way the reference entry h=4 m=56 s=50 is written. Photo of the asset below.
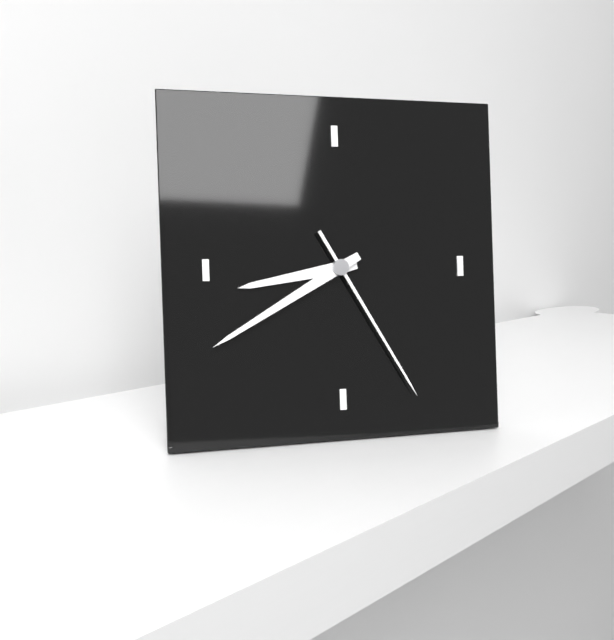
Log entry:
h=8 m=40 s=25
